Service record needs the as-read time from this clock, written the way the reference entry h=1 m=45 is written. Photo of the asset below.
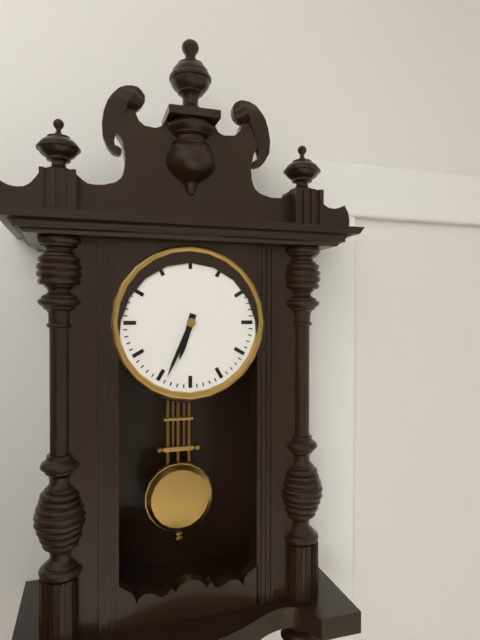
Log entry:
h=6 m=34
